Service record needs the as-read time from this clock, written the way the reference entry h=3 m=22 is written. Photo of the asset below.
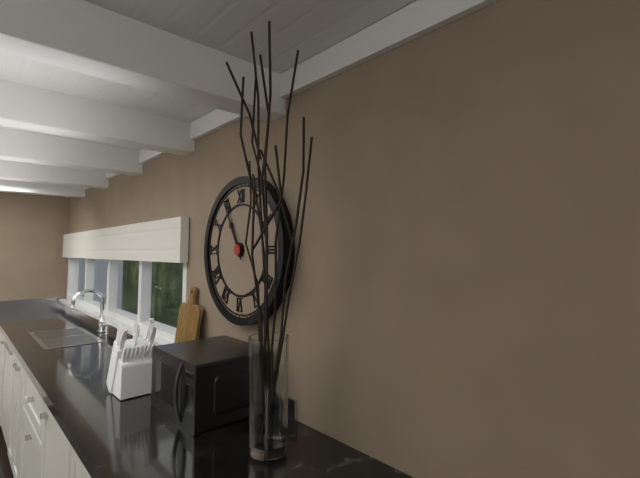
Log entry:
h=10 m=55
